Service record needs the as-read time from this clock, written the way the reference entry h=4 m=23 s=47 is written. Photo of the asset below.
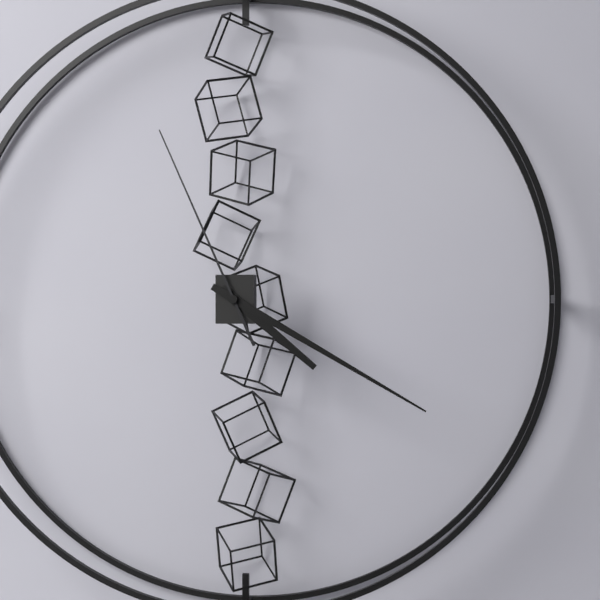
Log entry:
h=4 m=20 s=56
